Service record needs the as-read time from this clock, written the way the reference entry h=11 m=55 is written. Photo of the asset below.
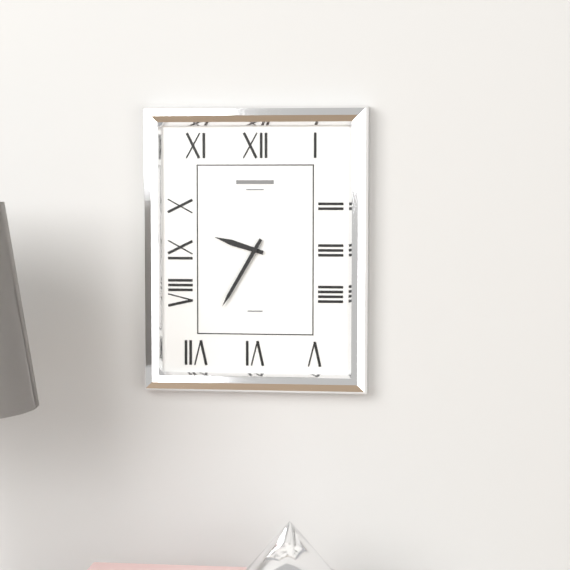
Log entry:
h=9 m=35
